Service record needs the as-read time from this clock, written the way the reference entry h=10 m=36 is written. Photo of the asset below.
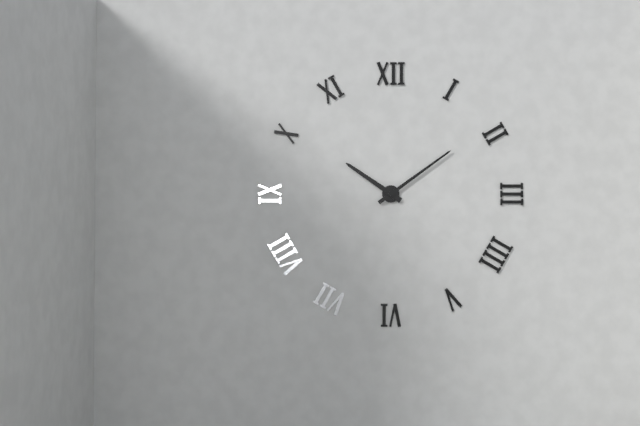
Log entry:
h=10 m=9
